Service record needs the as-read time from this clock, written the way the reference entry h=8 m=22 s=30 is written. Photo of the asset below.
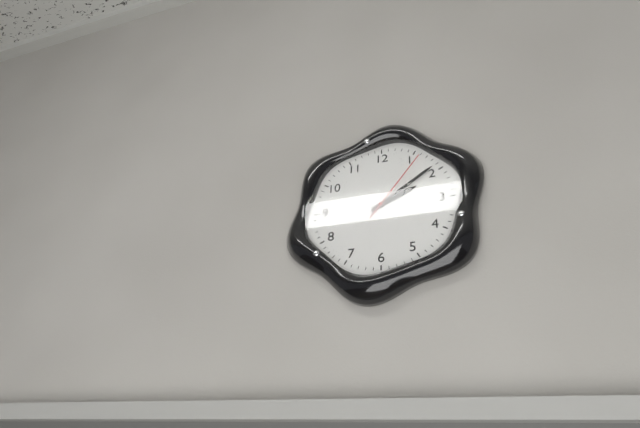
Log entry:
h=2 m=9 s=6
